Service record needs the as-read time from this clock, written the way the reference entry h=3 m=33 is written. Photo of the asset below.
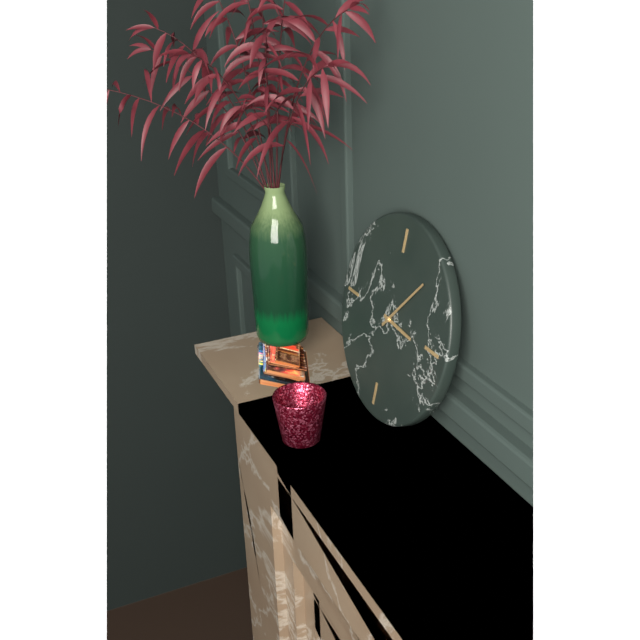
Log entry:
h=3 m=7
